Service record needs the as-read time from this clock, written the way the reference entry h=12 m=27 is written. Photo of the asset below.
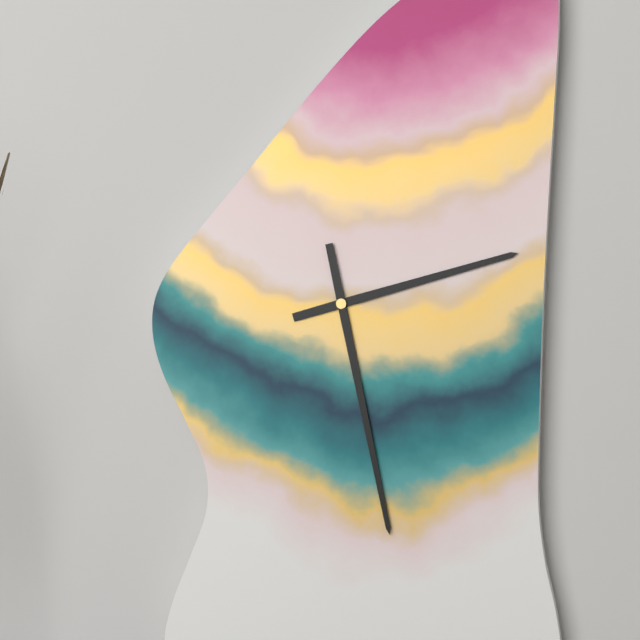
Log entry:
h=2 m=28
